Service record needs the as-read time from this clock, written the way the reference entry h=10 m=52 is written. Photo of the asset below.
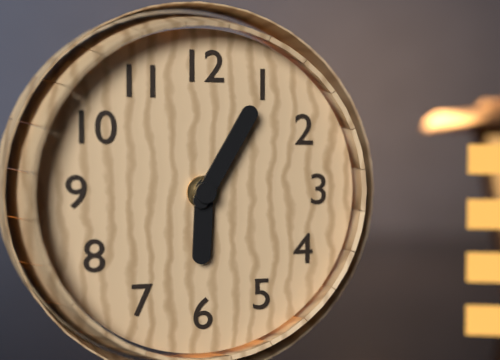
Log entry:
h=6 m=5
